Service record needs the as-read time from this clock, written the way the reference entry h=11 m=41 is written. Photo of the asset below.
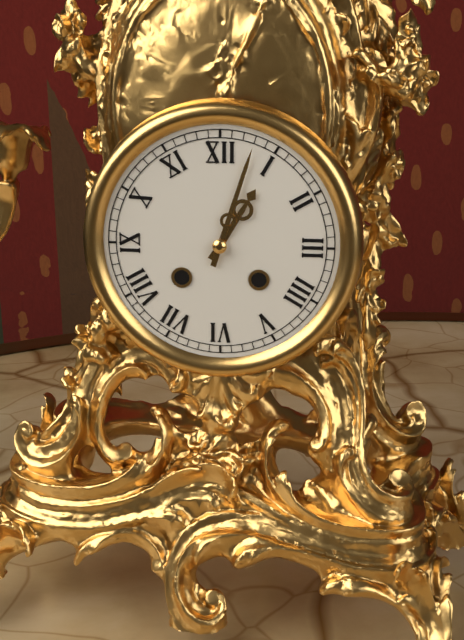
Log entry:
h=1 m=3
